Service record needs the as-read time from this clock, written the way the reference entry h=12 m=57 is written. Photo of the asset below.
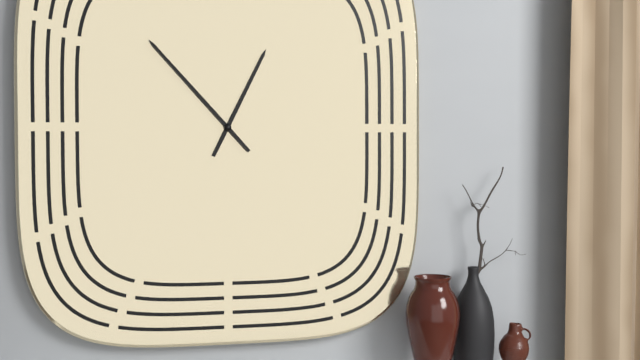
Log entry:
h=12 m=53
